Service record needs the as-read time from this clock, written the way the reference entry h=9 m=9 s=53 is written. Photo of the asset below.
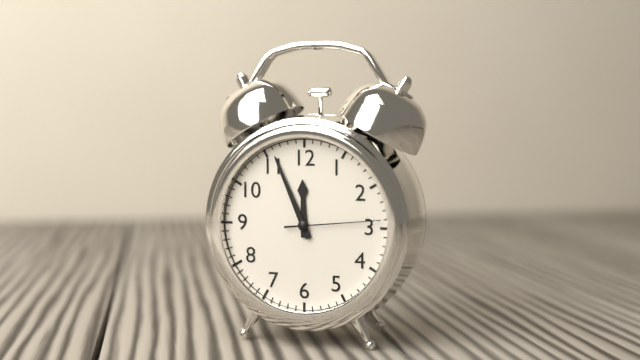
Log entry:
h=11 m=56 s=14
